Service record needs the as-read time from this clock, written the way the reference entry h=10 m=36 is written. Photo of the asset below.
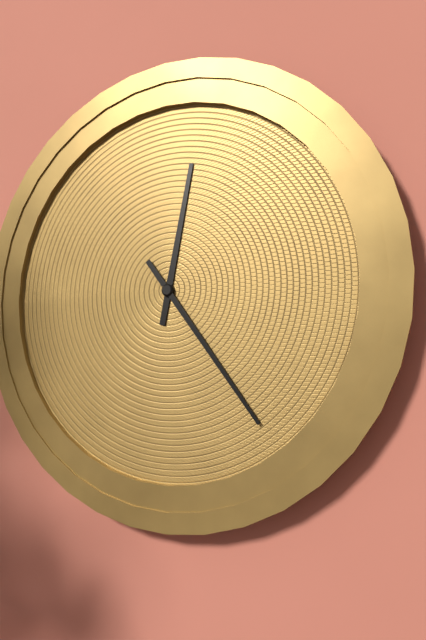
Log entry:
h=12 m=24
